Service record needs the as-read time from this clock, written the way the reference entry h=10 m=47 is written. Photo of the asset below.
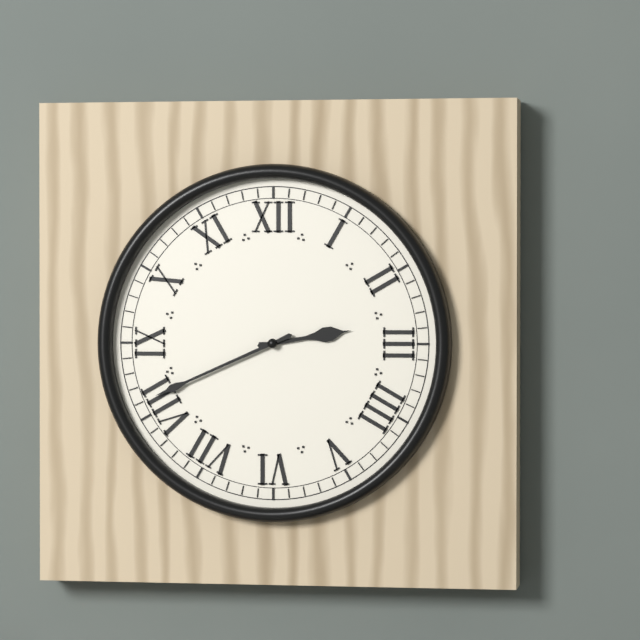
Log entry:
h=2 m=41
